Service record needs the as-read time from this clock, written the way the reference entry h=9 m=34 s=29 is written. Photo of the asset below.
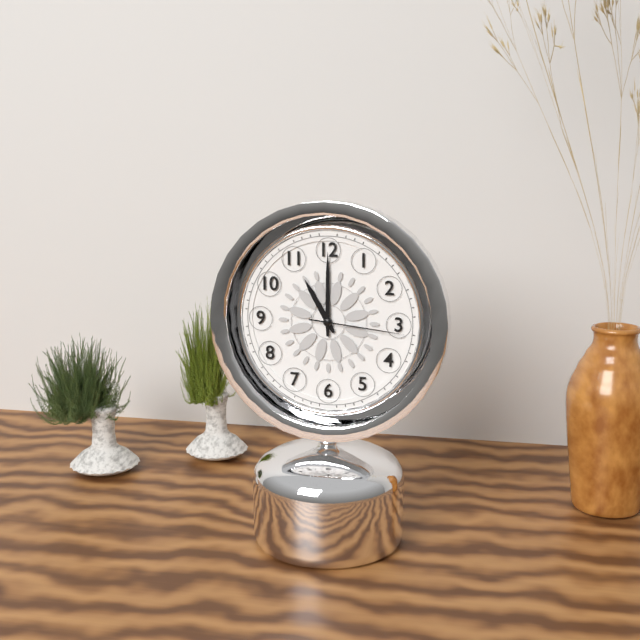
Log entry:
h=11 m=0 s=16
